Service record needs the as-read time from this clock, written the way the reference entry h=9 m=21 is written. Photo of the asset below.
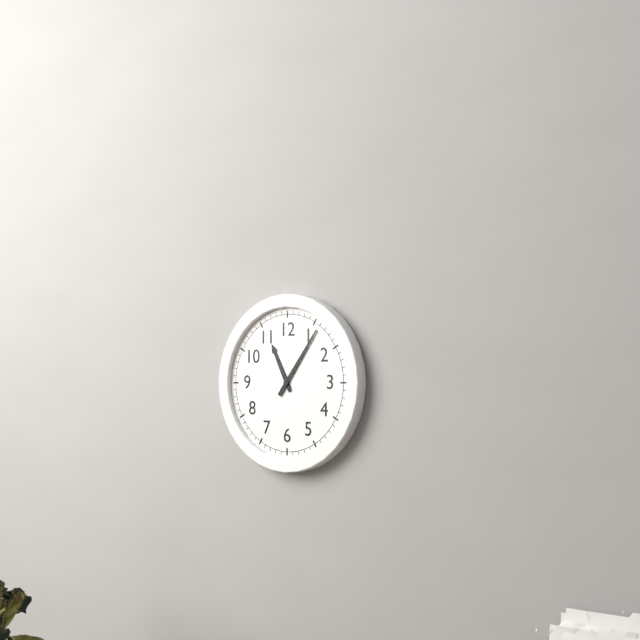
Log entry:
h=11 m=6
